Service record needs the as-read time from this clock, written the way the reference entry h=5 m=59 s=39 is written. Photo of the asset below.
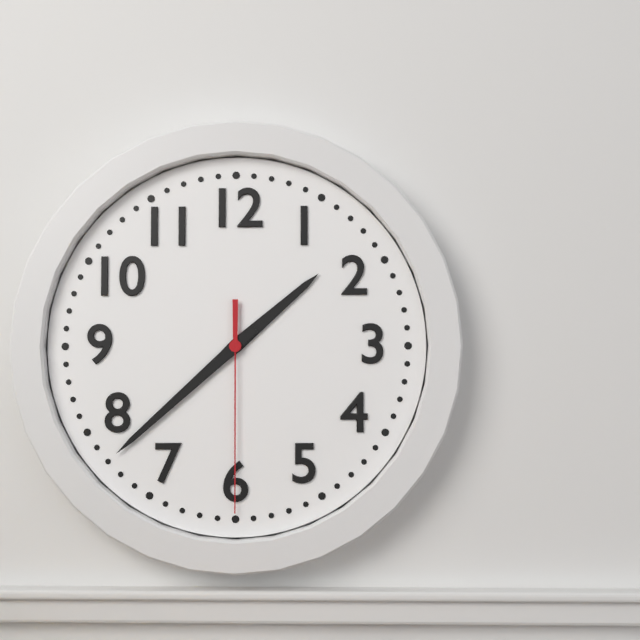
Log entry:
h=1 m=38 s=30
